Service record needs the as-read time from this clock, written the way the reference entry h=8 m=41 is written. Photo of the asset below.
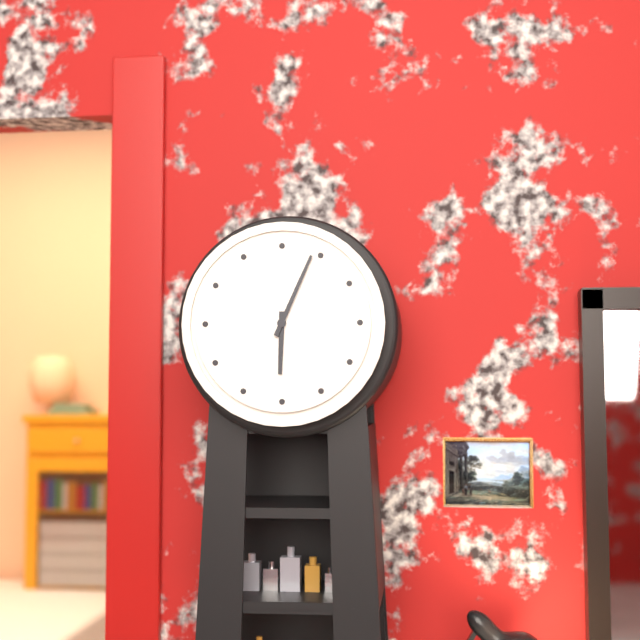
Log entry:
h=6 m=4
